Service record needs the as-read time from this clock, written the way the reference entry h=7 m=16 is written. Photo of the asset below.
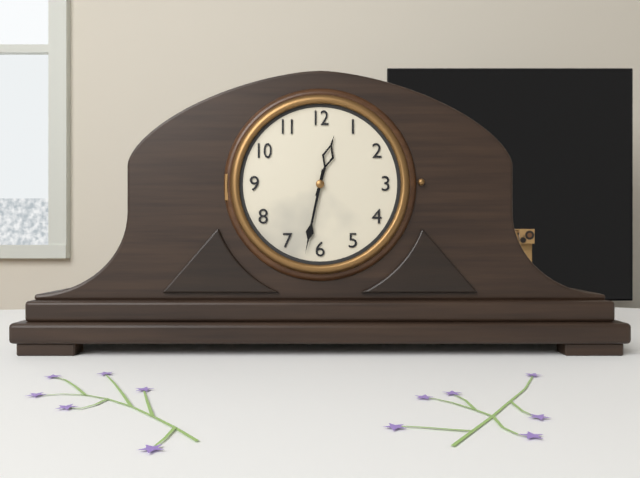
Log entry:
h=12 m=32
